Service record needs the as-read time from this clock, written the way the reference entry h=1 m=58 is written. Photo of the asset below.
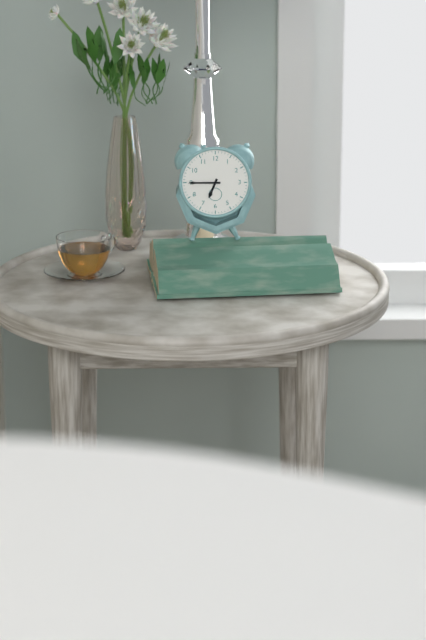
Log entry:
h=6 m=45
